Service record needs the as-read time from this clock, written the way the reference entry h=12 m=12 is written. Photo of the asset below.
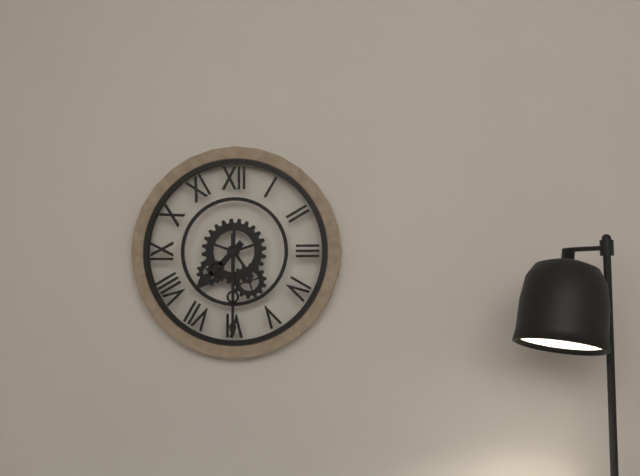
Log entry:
h=7 m=30
